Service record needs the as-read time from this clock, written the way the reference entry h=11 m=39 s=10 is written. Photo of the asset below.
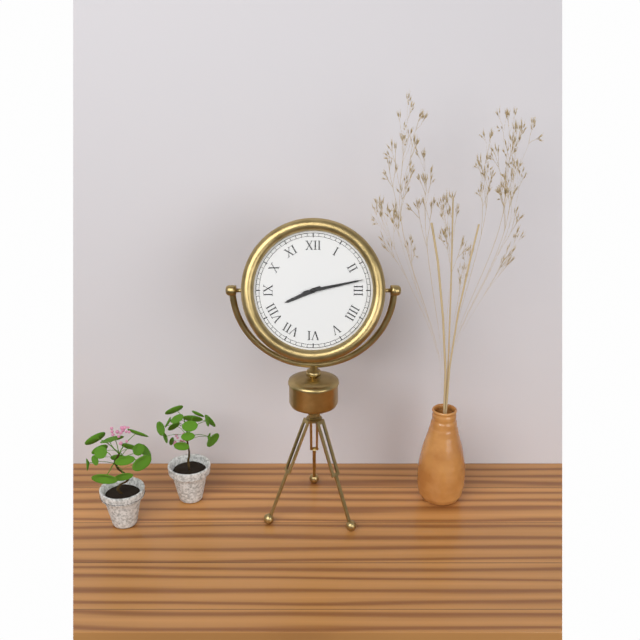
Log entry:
h=8 m=13 s=13
